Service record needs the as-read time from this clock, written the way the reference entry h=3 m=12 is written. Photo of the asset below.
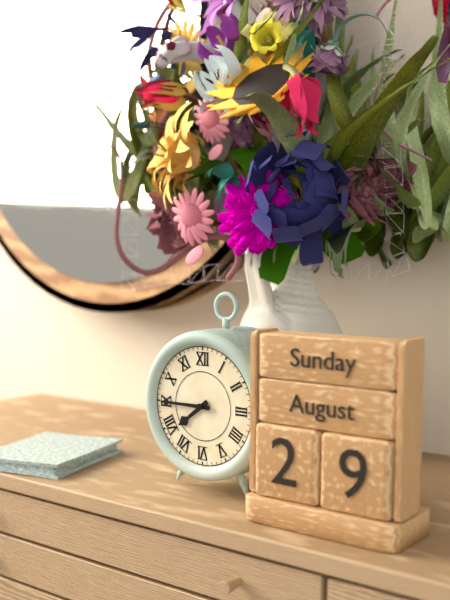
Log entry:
h=7 m=45
